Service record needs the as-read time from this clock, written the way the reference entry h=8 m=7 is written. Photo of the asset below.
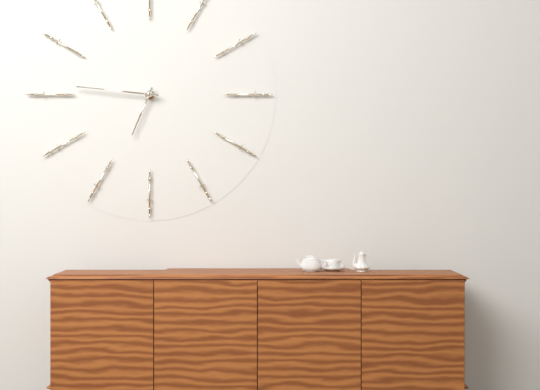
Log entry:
h=6 m=46
